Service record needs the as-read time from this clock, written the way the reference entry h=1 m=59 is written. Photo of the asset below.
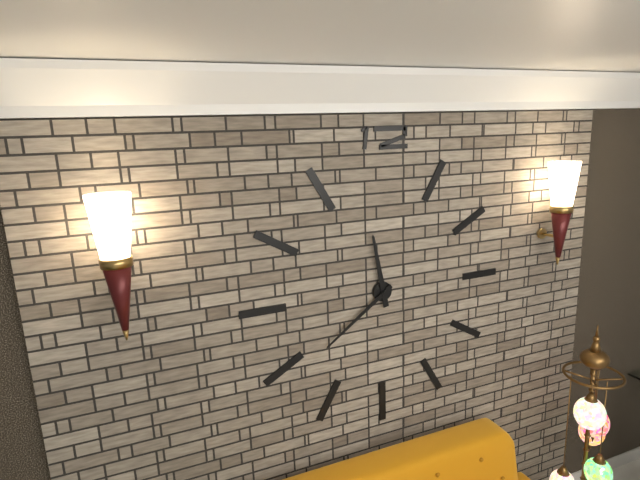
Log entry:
h=11 m=39
